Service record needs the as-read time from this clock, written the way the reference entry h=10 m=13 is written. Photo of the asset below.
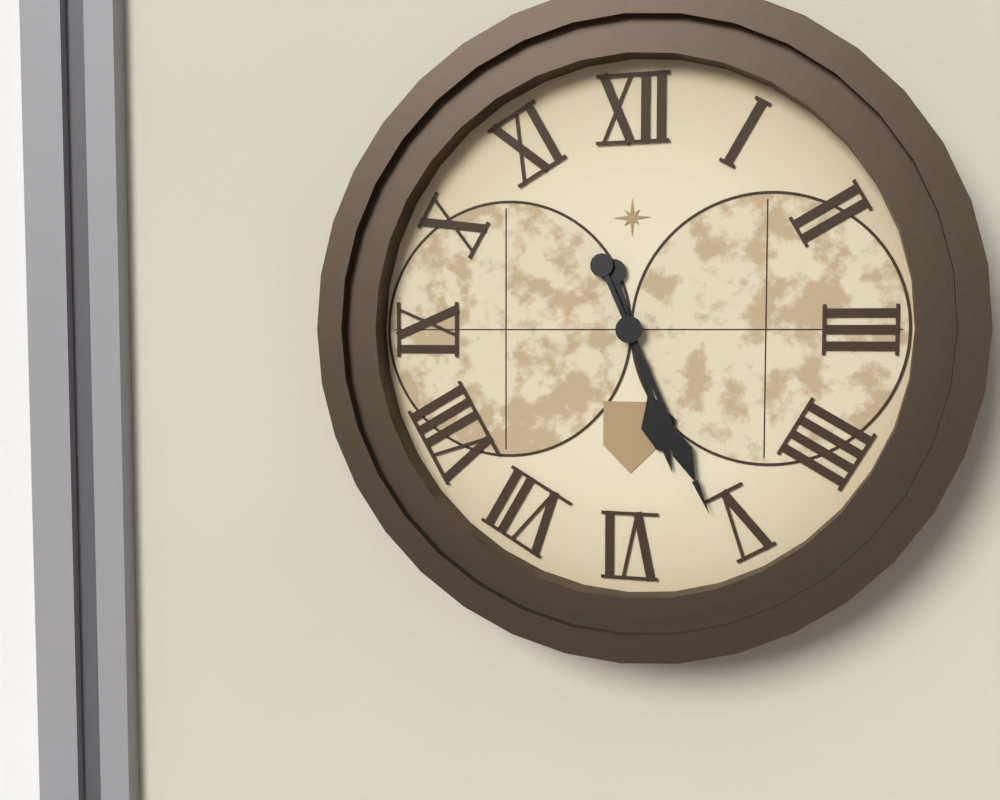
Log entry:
h=5 m=26
